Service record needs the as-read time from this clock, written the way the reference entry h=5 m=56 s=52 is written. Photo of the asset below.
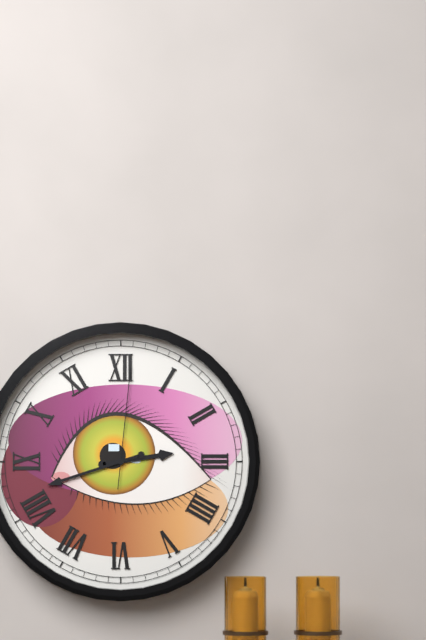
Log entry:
h=2 m=42 s=1
